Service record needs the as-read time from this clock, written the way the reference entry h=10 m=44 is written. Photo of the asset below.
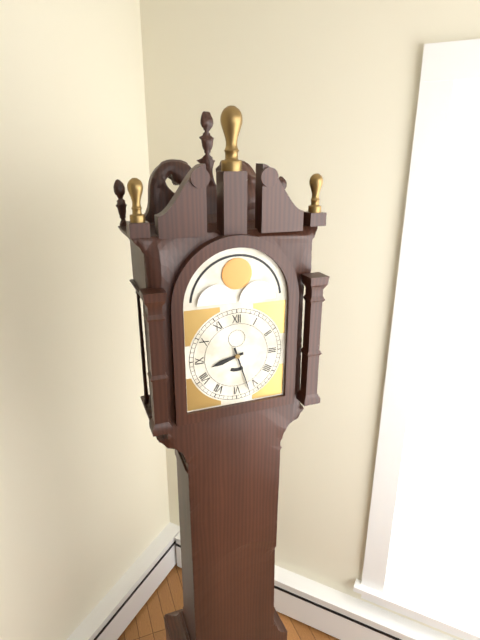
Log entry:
h=8 m=27
